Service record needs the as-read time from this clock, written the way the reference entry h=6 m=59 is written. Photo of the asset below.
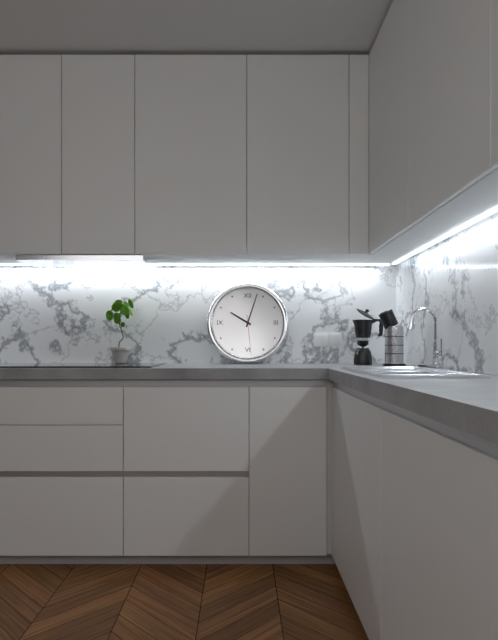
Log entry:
h=10 m=3
